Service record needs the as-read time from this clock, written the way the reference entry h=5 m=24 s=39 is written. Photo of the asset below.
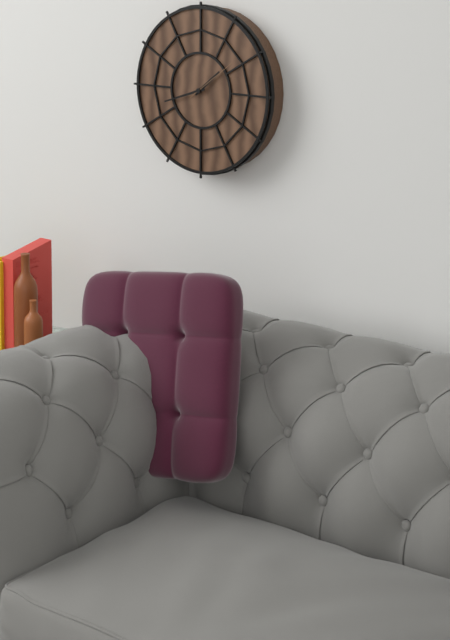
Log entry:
h=1 m=42 s=9
